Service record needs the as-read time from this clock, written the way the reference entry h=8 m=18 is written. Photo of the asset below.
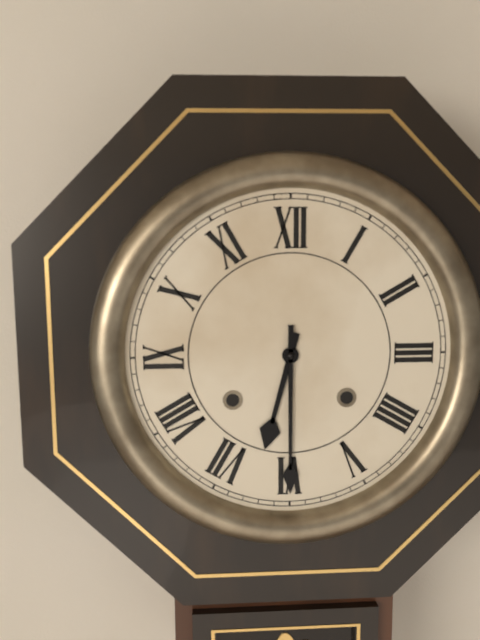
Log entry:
h=6 m=30
